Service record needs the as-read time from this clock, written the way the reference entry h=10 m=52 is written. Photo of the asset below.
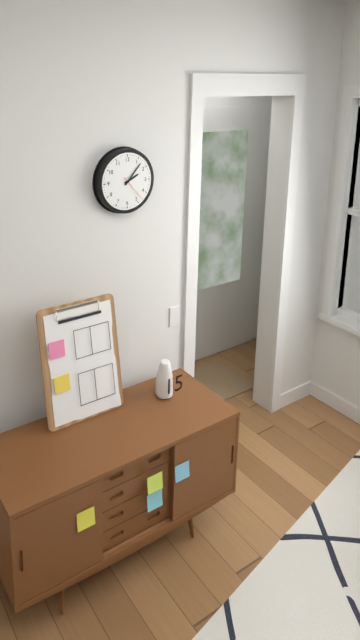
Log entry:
h=2 m=7
